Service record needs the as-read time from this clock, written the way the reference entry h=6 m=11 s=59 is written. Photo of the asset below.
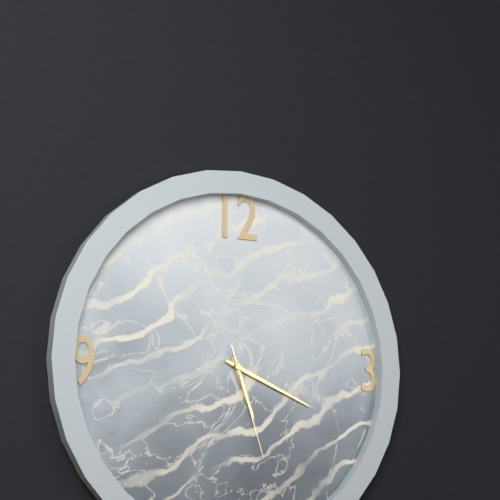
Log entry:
h=5 m=19 s=27
